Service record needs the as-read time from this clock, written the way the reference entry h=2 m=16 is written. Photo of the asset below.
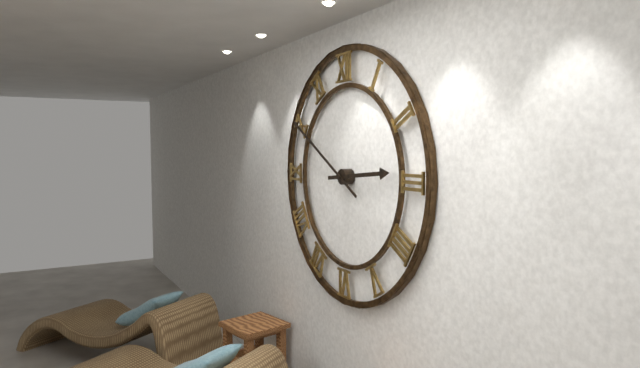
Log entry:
h=2 m=50
